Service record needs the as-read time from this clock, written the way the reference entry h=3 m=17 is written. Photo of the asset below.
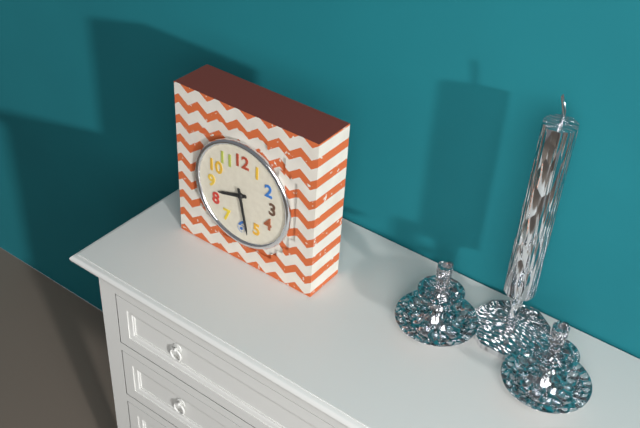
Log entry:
h=8 m=28
